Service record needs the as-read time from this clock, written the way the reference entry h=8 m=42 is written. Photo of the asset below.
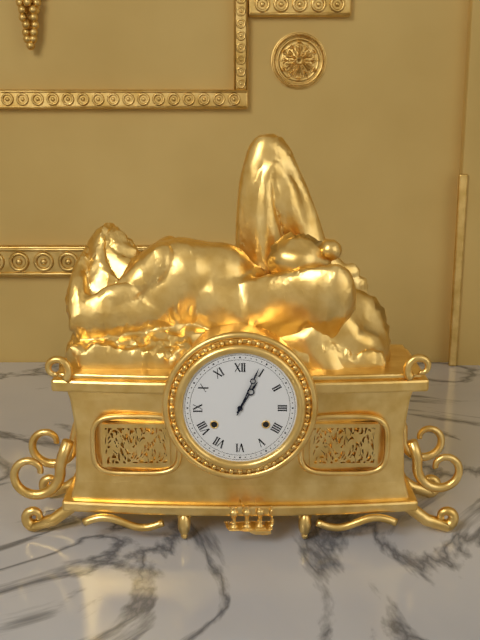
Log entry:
h=1 m=4
